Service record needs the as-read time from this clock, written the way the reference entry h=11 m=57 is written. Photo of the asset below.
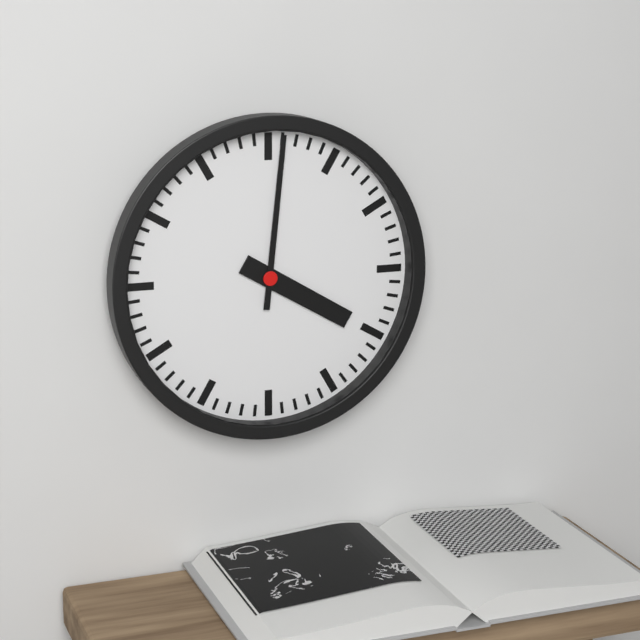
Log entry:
h=4 m=1
